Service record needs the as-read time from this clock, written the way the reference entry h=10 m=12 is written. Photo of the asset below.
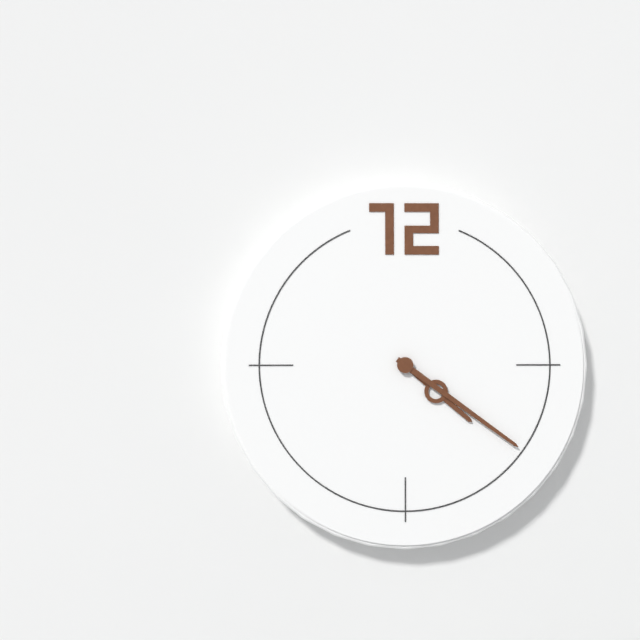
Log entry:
h=4 m=21
